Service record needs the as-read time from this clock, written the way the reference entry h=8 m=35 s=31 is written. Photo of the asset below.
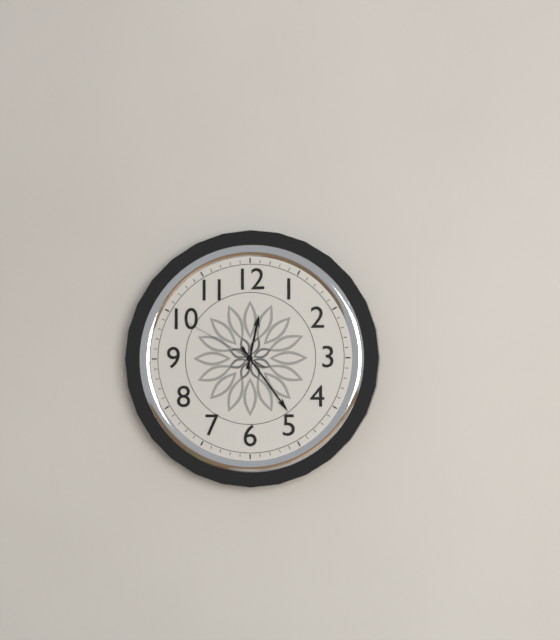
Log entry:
h=12 m=24 s=50
